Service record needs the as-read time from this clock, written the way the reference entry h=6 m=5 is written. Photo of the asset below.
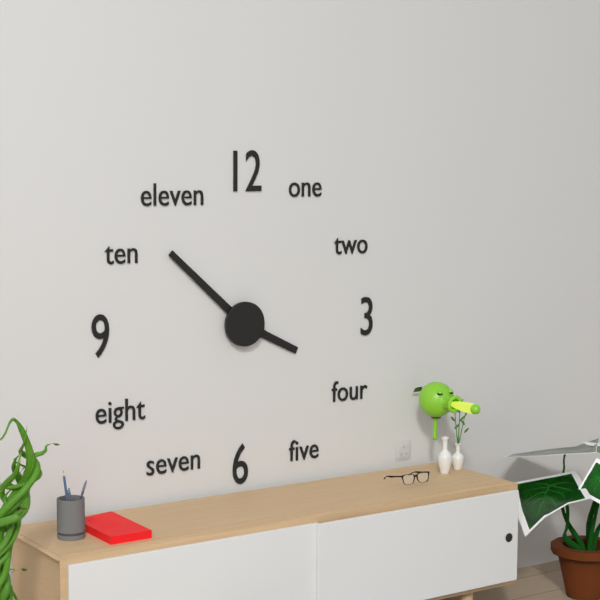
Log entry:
h=3 m=52
